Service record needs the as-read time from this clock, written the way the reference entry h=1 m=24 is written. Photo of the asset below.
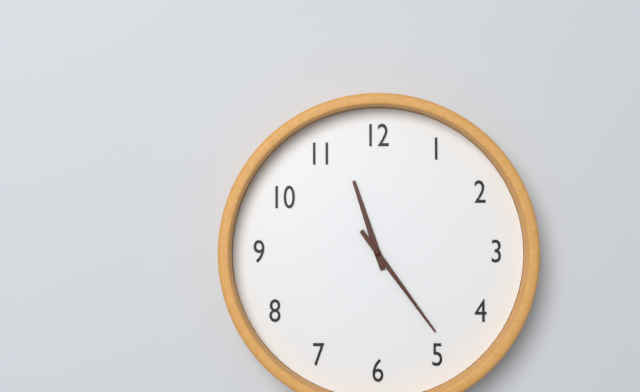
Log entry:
h=11 m=24
